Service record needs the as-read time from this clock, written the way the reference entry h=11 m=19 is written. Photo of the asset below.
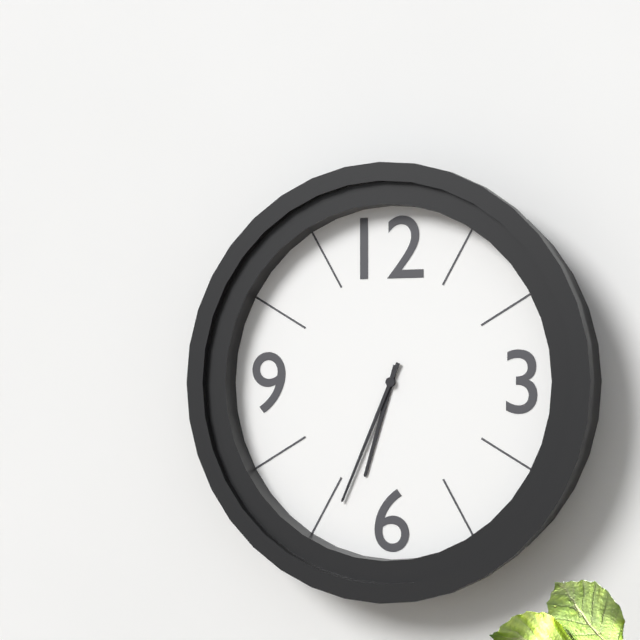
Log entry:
h=6 m=34
